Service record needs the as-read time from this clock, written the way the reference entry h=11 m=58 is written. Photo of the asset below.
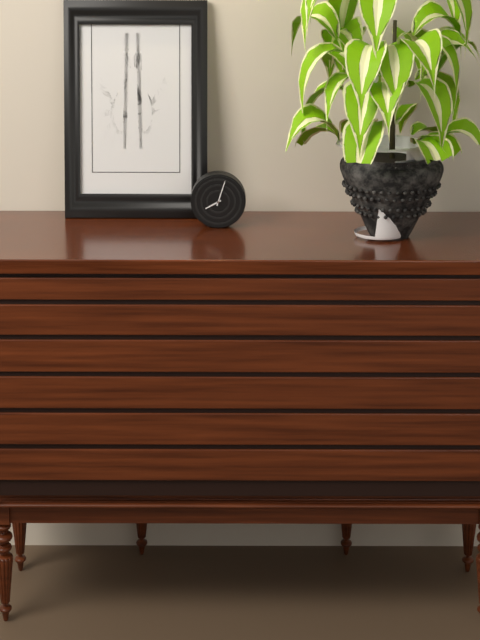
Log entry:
h=8 m=3
